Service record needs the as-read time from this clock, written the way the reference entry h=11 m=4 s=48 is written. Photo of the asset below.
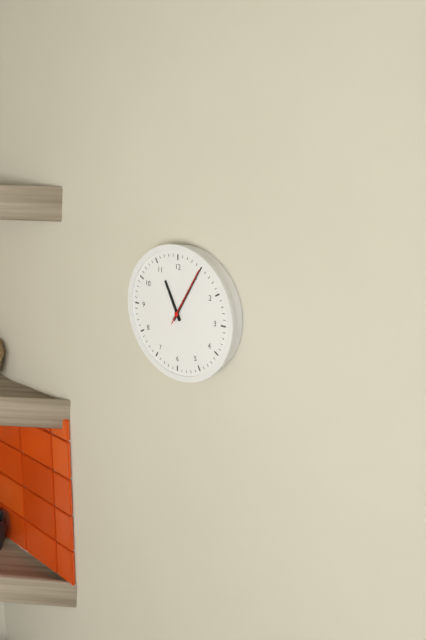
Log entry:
h=11 m=5 s=5
